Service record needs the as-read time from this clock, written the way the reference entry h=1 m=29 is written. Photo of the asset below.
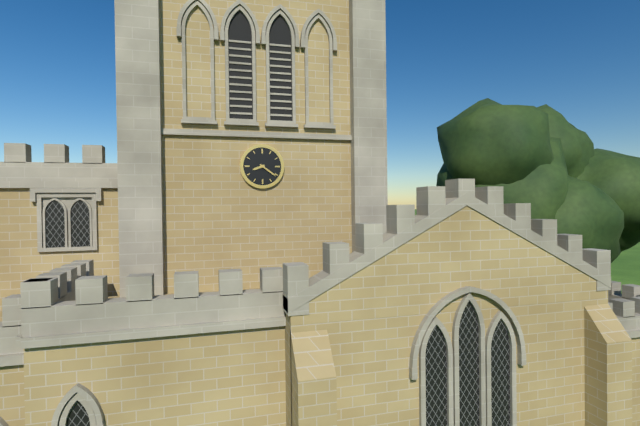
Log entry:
h=8 m=21
